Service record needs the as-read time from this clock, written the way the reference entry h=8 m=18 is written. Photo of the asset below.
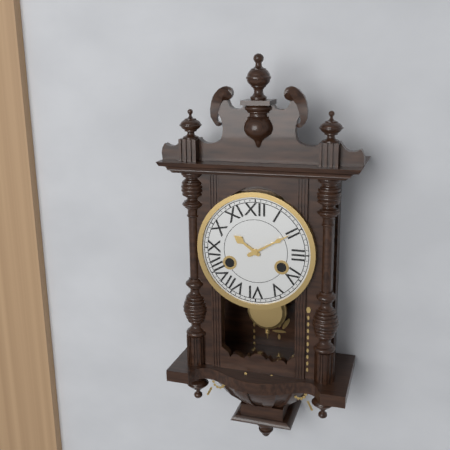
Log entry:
h=10 m=10
